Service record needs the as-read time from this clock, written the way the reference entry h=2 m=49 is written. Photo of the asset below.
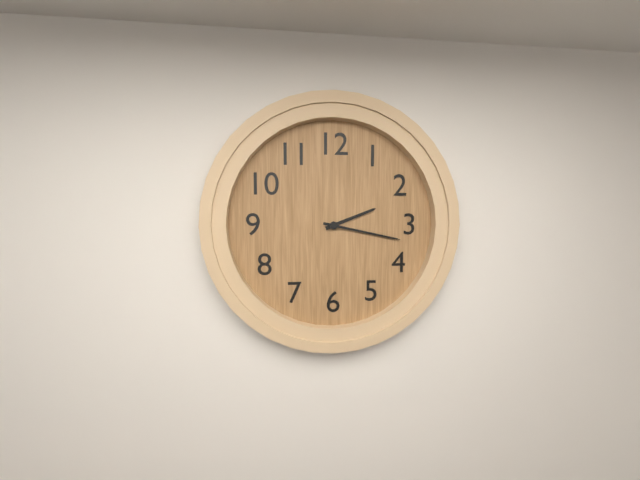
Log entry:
h=2 m=17
